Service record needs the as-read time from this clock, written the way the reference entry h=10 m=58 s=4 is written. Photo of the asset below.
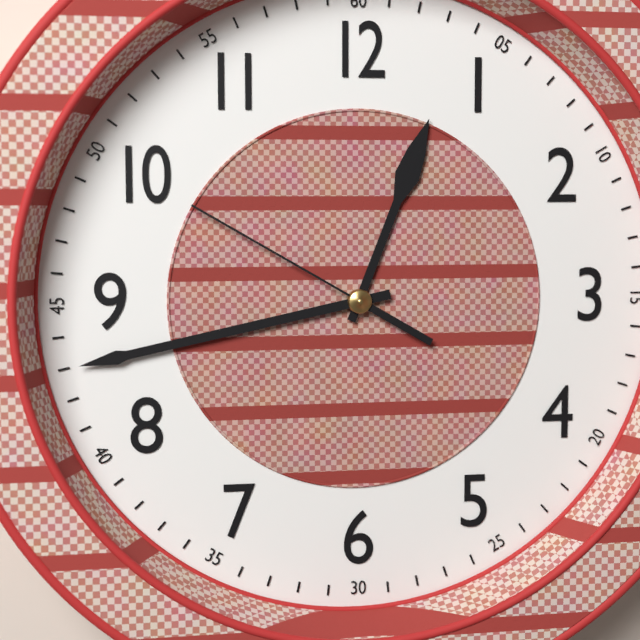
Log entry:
h=12 m=43 s=50
